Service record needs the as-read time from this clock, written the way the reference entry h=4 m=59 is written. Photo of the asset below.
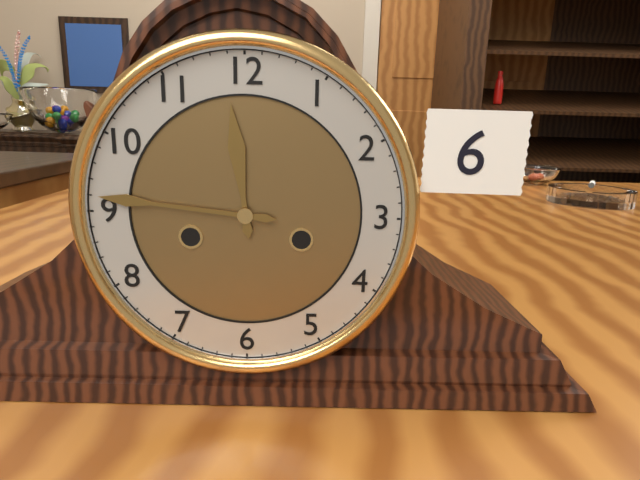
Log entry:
h=11 m=46
